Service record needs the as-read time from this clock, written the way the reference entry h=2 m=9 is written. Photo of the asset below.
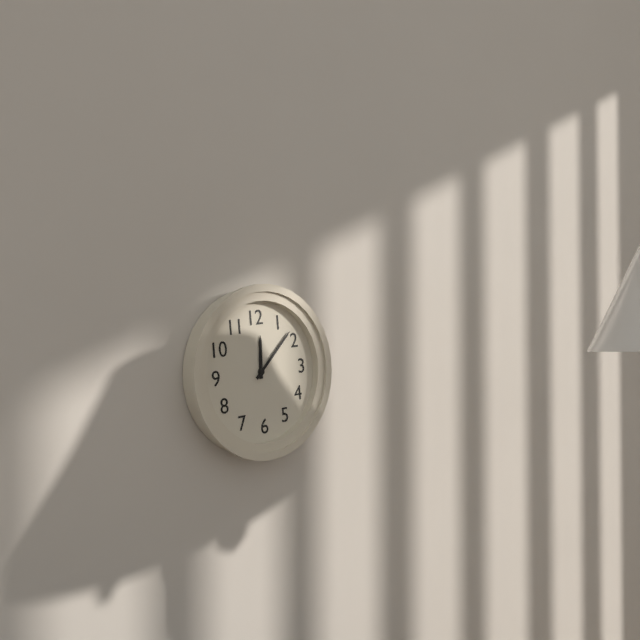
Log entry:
h=12 m=8
